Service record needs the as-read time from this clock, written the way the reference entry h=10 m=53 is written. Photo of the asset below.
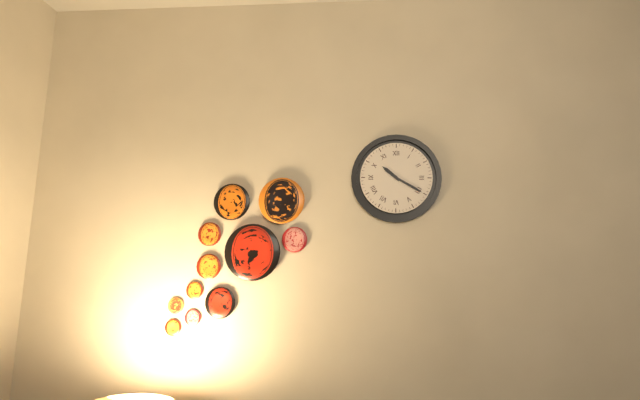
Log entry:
h=10 m=20
